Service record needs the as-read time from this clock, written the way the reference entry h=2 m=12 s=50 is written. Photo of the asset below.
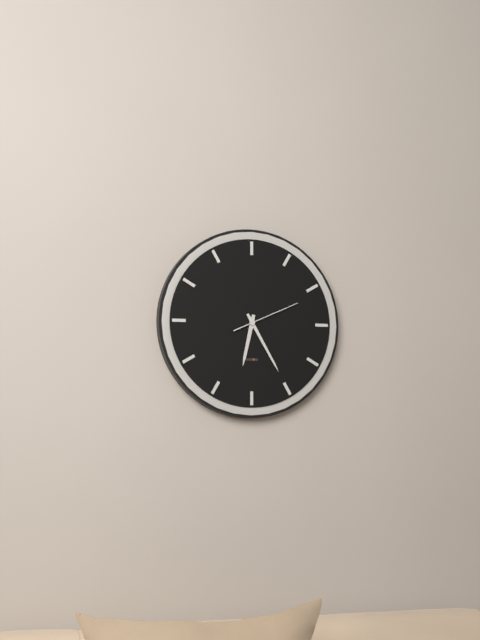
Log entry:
h=6 m=25 s=11
